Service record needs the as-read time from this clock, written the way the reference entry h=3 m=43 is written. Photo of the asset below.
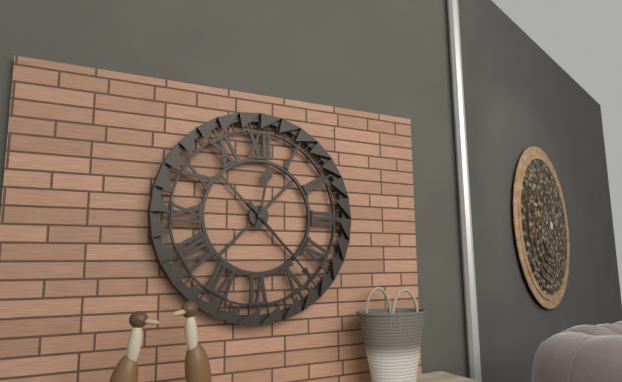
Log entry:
h=12 m=23
